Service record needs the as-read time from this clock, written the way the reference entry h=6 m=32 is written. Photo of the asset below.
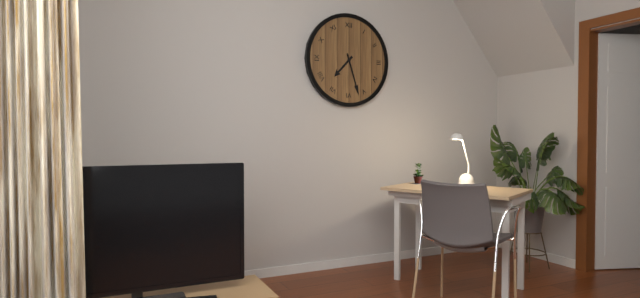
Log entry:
h=7 m=27
